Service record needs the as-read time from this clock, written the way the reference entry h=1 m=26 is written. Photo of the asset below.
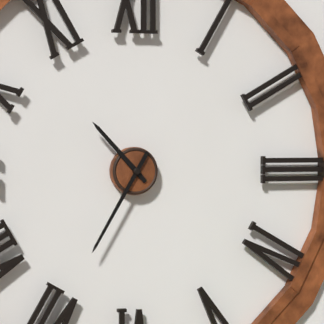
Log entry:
h=10 m=35
